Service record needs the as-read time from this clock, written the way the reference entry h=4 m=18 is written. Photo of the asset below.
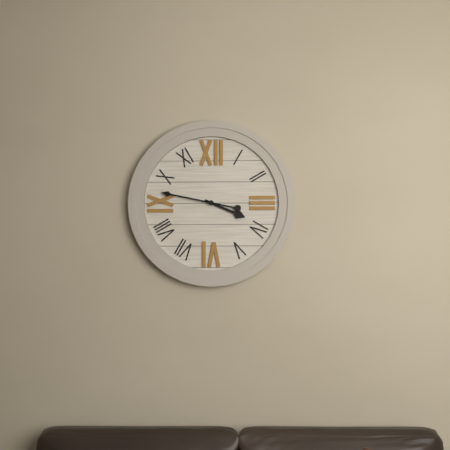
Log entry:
h=3 m=47
